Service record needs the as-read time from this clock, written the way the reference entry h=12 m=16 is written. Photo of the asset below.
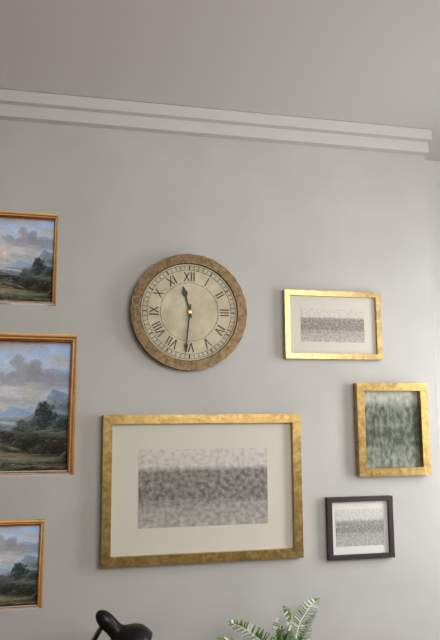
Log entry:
h=11 m=31
